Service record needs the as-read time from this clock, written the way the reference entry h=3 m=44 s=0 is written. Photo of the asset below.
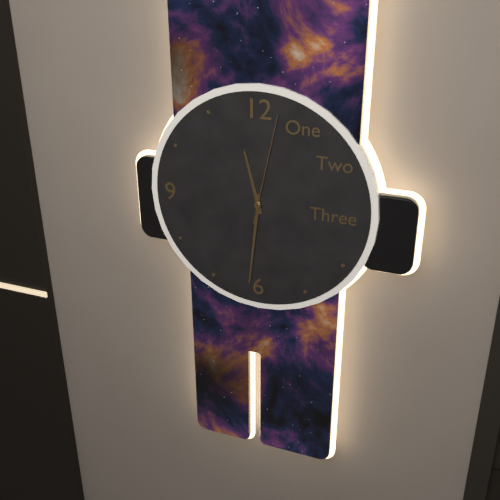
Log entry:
h=11 m=31 s=2
